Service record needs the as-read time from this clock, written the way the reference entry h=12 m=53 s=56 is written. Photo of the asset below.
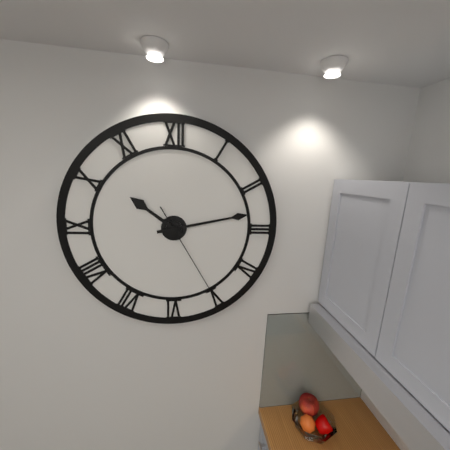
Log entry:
h=10 m=13 s=25
